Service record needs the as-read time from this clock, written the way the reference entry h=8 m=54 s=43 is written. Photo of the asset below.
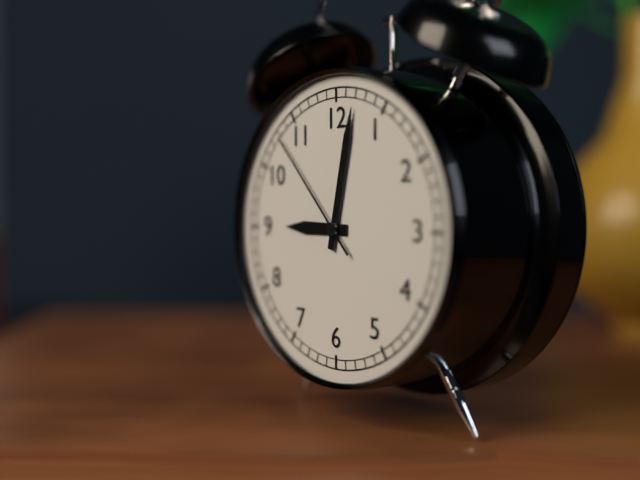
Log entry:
h=9 m=2 s=53
